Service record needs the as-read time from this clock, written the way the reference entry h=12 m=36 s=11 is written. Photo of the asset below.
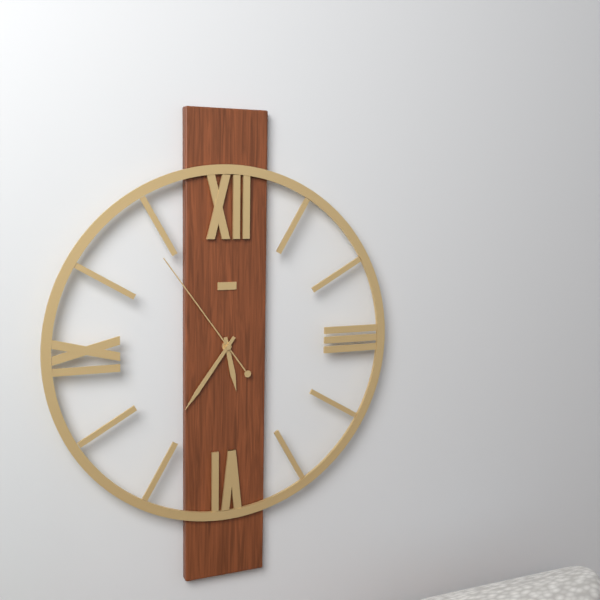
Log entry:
h=5 m=36 s=54
